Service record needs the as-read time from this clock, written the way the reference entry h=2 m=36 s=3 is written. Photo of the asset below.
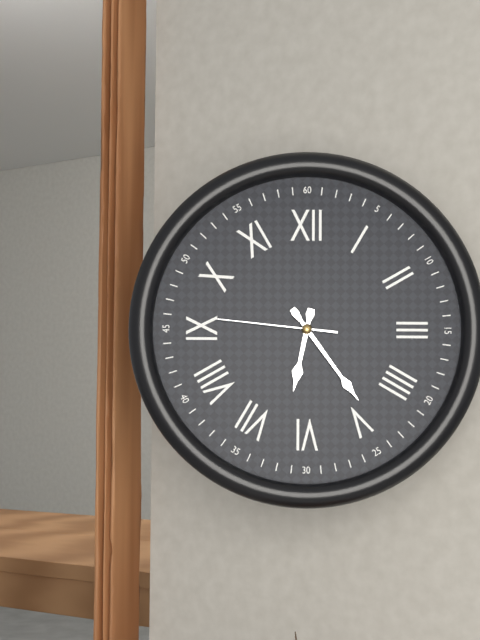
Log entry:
h=6 m=24 s=46
